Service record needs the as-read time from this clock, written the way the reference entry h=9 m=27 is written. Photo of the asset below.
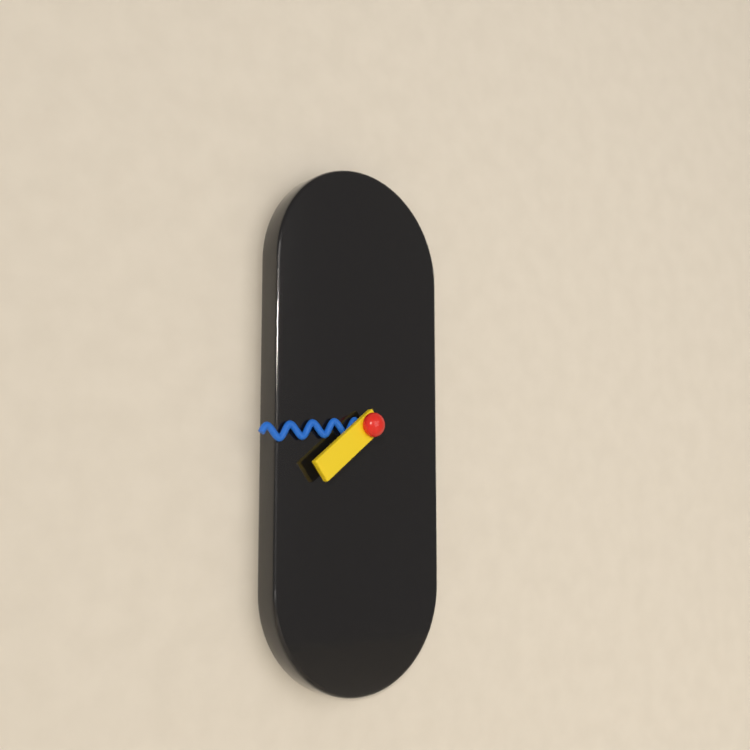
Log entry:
h=7 m=44
